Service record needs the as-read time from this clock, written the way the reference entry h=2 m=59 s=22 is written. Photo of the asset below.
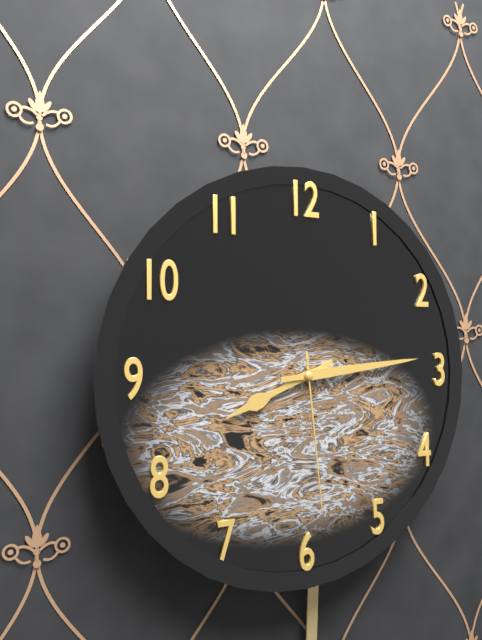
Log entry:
h=8 m=14 s=29
